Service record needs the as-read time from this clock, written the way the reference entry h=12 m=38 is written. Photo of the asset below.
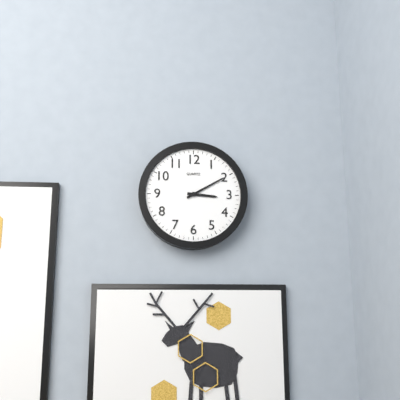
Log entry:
h=3 m=10
